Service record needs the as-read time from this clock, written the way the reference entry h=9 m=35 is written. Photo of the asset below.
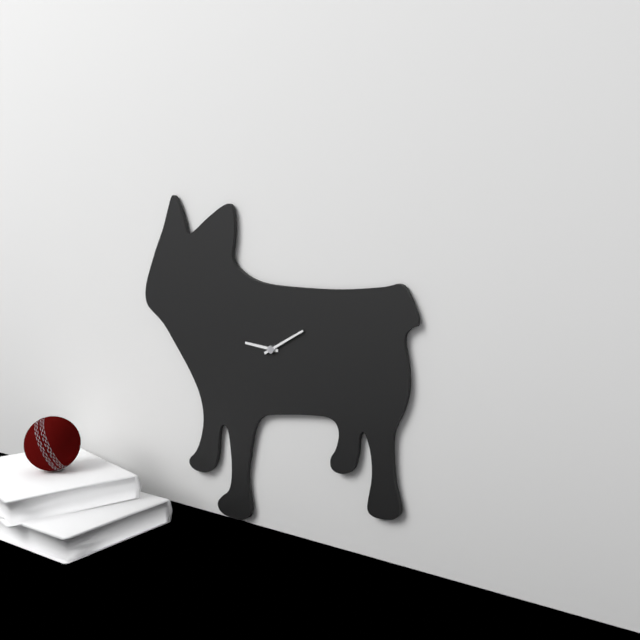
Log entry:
h=9 m=10
